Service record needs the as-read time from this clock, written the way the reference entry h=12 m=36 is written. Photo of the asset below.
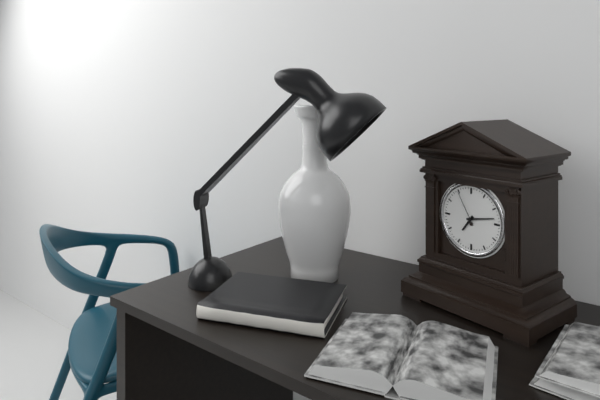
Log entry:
h=7 m=13
